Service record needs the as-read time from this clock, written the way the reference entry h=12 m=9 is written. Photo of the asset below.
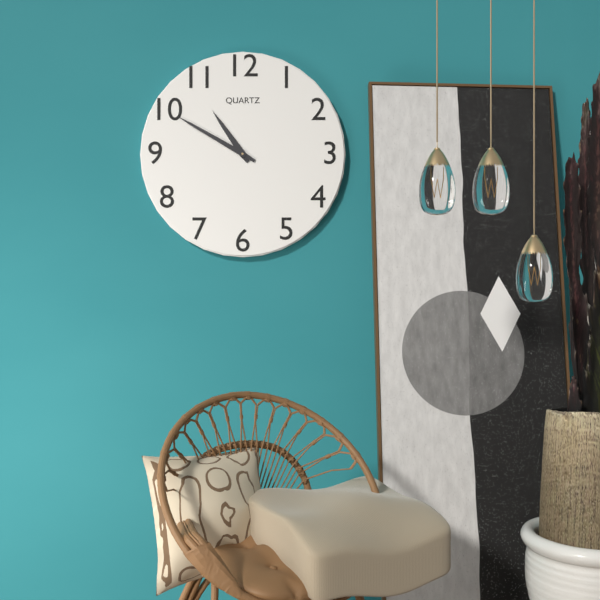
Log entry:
h=10 m=50
